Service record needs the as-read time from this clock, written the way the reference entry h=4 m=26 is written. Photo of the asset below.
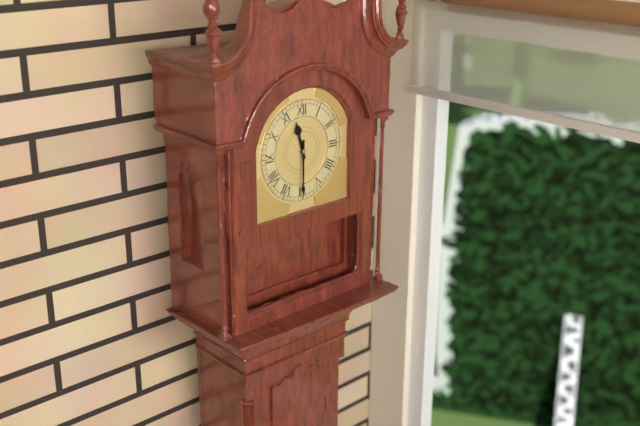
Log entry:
h=11 m=30
